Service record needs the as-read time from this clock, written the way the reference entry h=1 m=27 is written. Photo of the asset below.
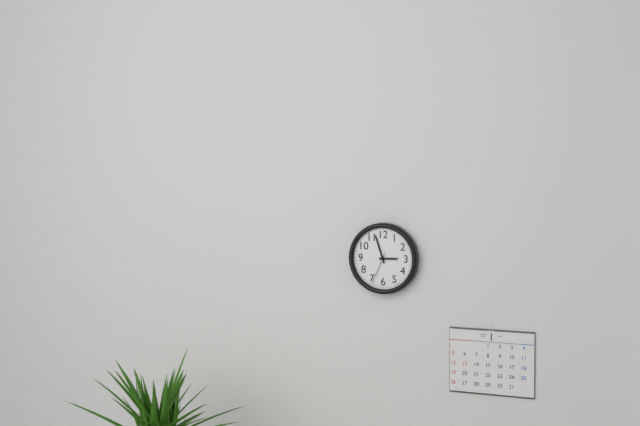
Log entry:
h=2 m=57
